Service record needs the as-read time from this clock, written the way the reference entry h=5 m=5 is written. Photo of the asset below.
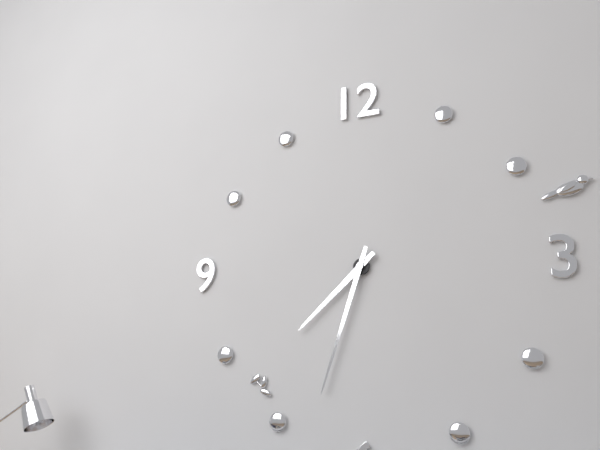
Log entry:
h=7 m=33
